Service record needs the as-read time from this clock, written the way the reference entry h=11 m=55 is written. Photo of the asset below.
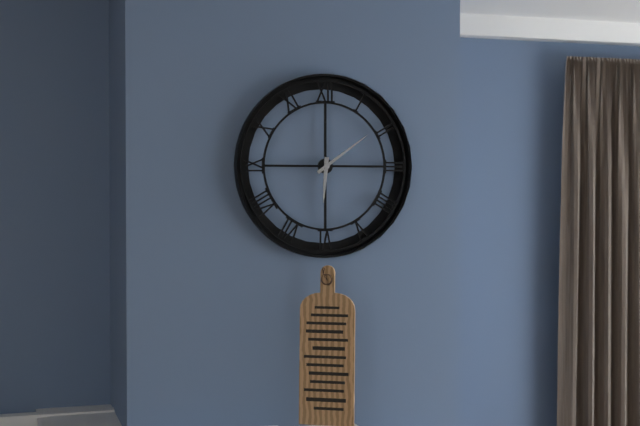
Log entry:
h=6 m=9
